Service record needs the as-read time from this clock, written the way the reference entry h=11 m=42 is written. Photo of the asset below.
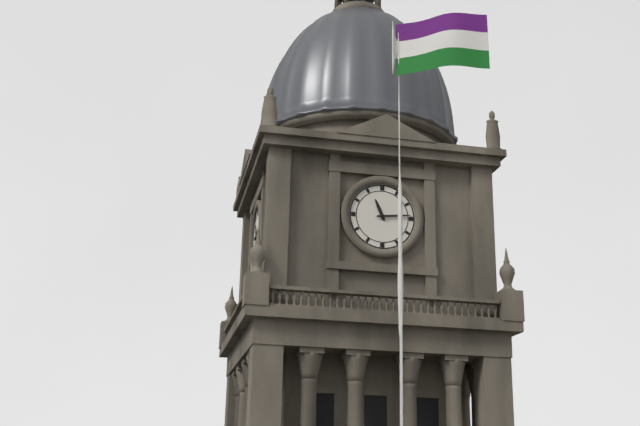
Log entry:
h=11 m=14
